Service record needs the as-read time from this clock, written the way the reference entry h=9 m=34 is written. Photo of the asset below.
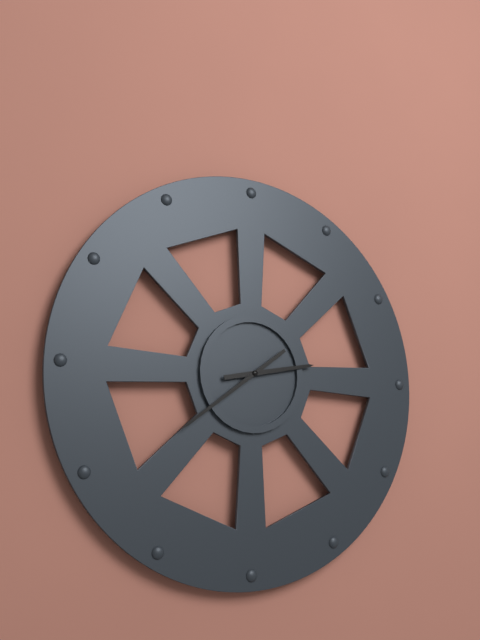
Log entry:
h=2 m=39
